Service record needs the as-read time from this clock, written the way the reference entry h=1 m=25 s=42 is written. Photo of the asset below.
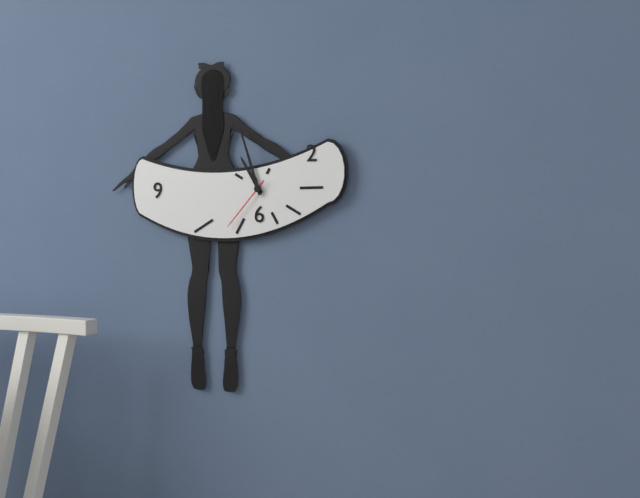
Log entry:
h=10 m=57 s=37
